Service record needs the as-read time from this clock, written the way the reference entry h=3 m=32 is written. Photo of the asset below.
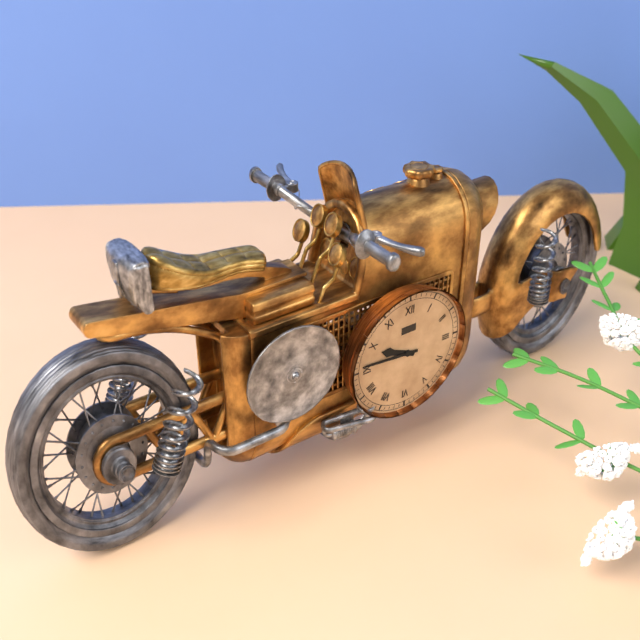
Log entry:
h=9 m=46
